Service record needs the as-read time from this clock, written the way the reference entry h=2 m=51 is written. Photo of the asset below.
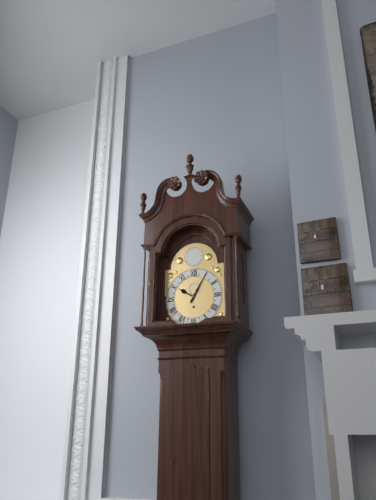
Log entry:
h=10 m=5
